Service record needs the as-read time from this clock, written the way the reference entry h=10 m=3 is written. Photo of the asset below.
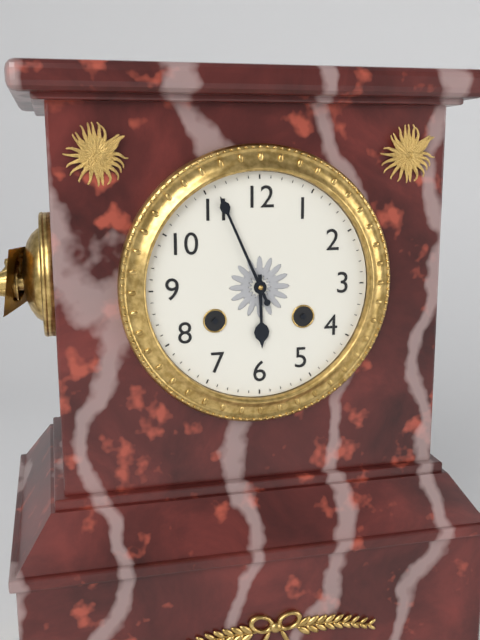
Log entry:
h=5 m=56
